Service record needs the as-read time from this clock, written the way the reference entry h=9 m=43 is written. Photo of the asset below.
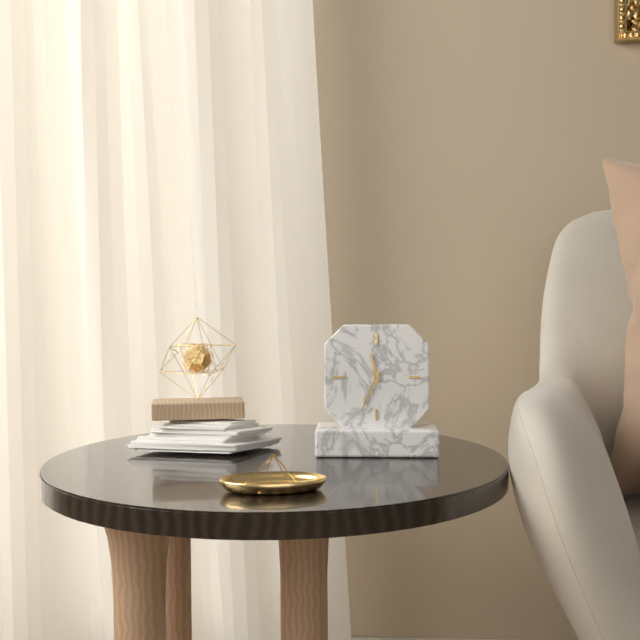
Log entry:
h=11 m=34
